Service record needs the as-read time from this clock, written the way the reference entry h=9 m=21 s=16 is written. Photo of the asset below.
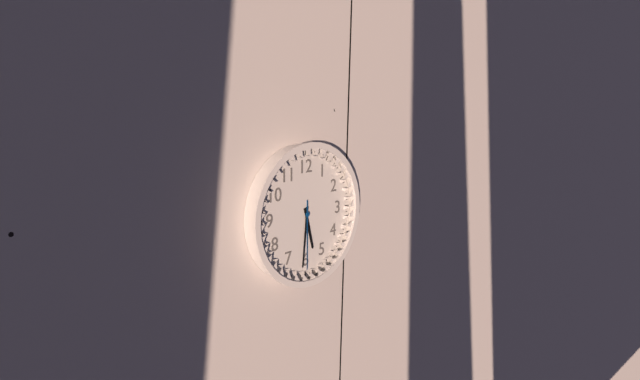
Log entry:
h=5 m=31 s=30
